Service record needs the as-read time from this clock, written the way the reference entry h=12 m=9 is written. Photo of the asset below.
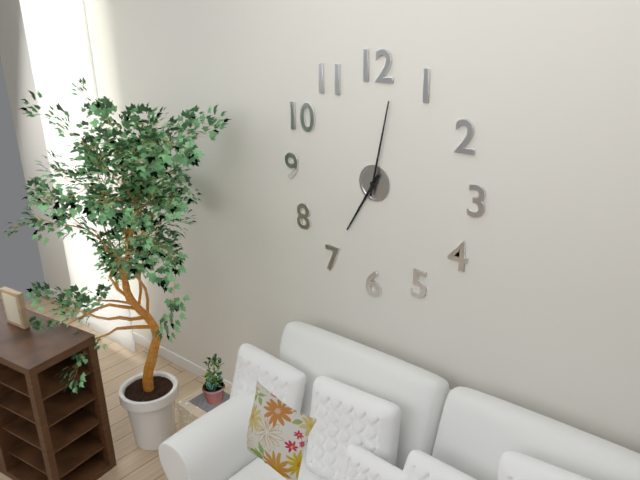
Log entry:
h=7 m=2
